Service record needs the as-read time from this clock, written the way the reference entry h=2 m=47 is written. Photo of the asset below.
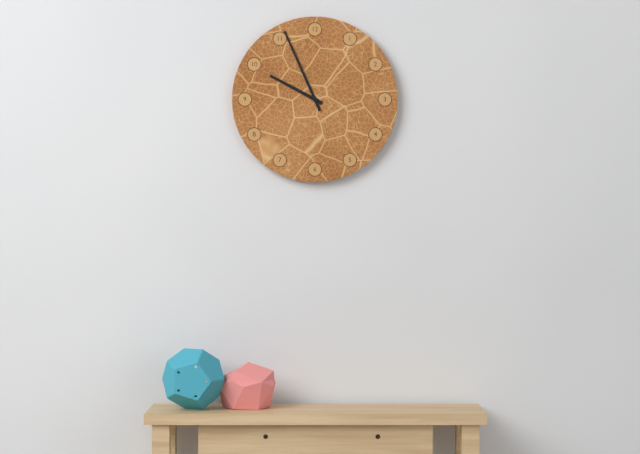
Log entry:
h=9 m=56
